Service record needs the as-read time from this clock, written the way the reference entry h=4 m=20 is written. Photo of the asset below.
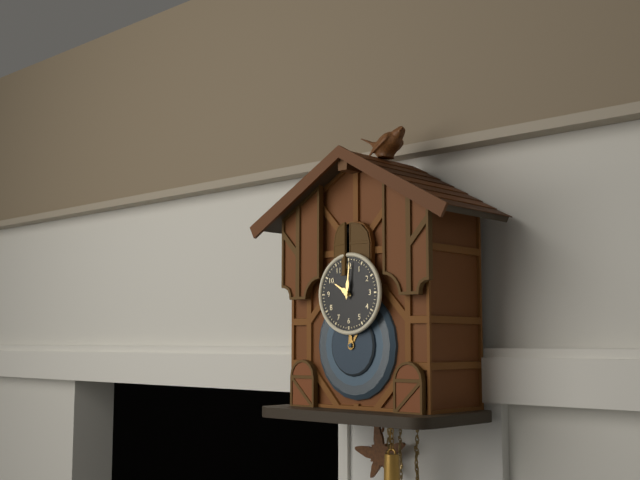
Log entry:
h=10 m=1
